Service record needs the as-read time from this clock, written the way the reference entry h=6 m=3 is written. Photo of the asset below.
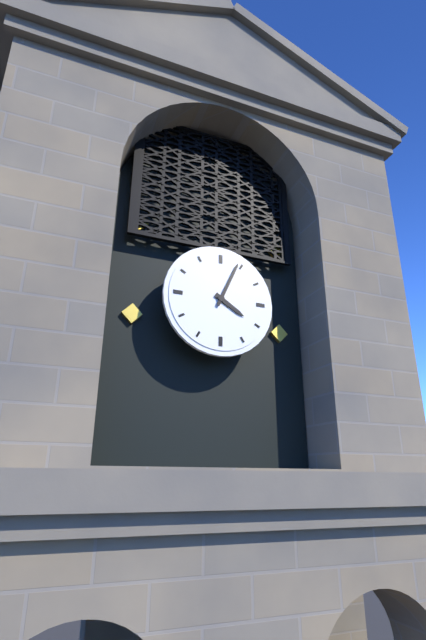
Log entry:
h=4 m=4
